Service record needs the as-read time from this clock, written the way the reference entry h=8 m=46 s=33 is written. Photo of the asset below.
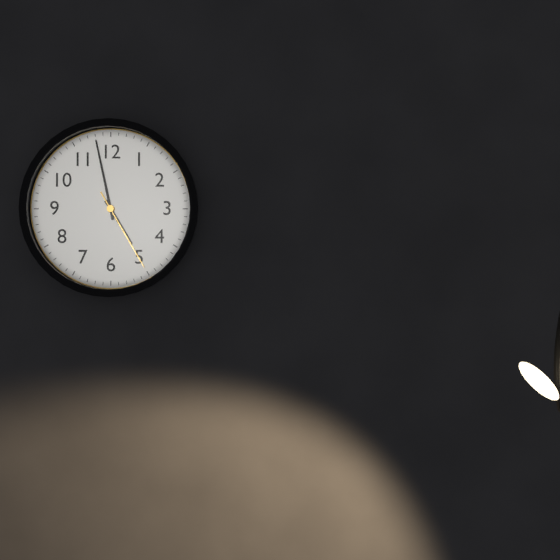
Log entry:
h=4 m=58 s=25
